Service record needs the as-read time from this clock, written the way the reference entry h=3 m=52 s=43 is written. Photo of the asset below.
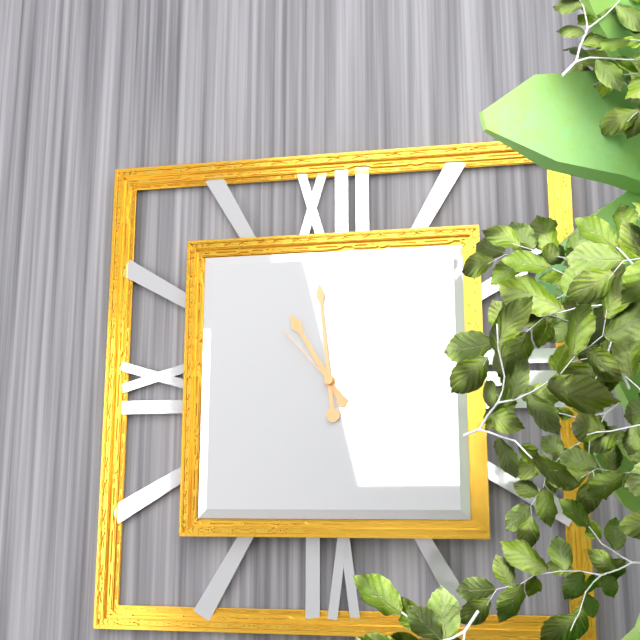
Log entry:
h=10 m=59 s=53
